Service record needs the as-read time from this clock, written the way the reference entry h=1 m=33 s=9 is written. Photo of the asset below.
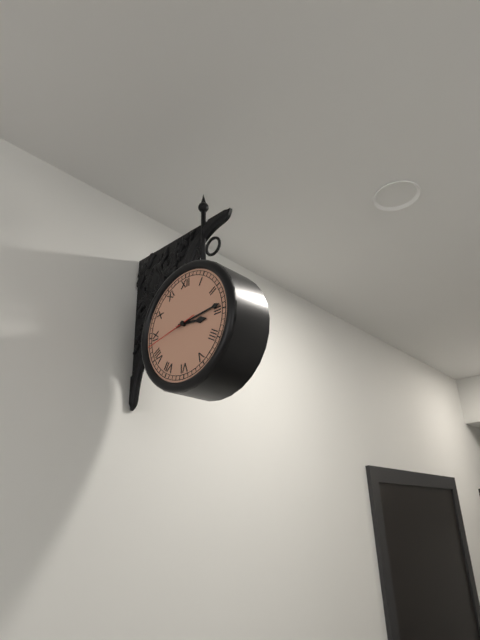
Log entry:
h=3 m=14 s=43
